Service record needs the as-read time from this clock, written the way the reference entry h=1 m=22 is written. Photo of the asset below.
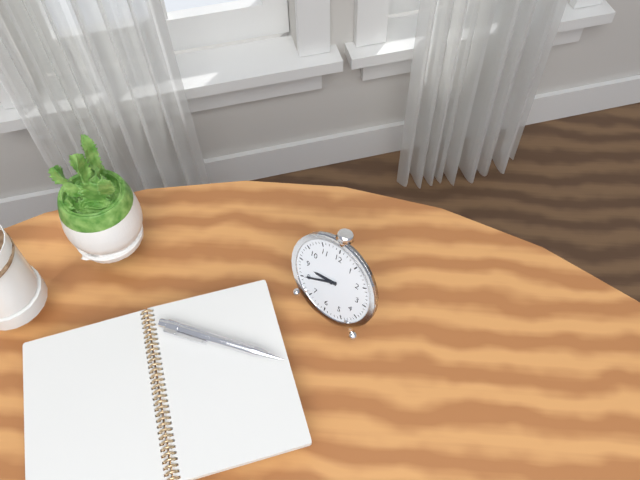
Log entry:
h=8 m=40
